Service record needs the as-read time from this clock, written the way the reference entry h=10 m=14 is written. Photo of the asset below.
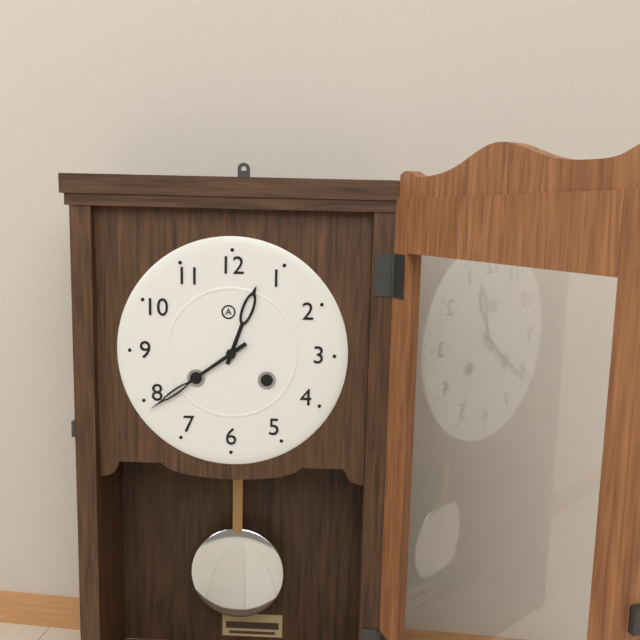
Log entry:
h=12 m=39
